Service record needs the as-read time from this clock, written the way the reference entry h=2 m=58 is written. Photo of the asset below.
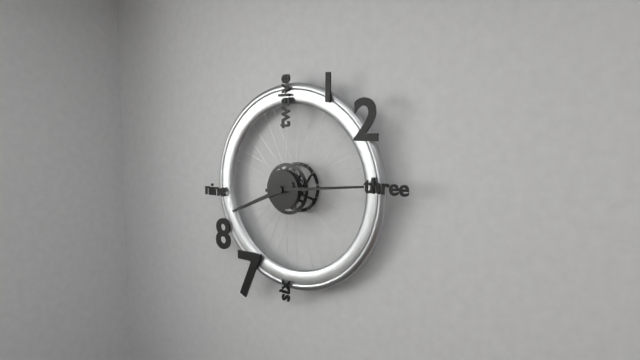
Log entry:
h=8 m=14
